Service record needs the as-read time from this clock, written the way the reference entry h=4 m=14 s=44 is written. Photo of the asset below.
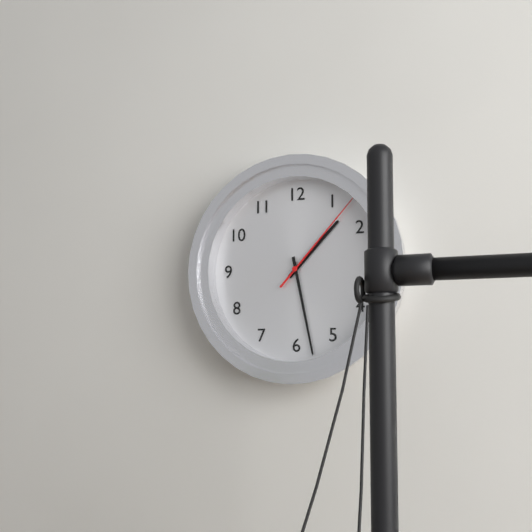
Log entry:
h=1 m=28 s=7
